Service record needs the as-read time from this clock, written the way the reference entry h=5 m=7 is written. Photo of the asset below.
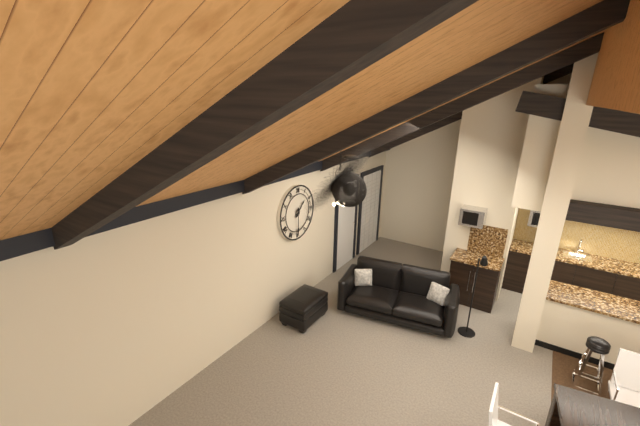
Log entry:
h=1 m=30
